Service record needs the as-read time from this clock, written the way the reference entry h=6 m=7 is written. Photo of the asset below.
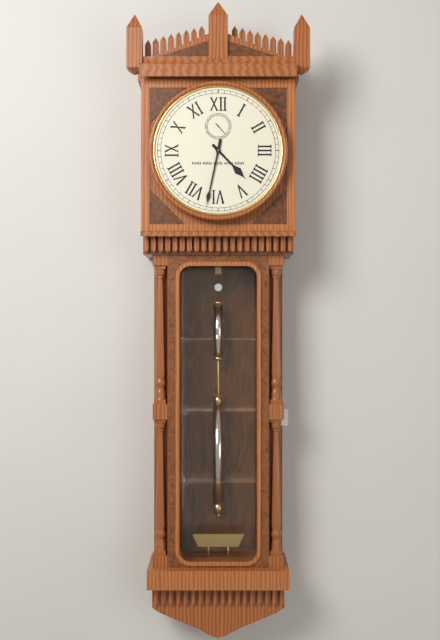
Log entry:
h=4 m=32
